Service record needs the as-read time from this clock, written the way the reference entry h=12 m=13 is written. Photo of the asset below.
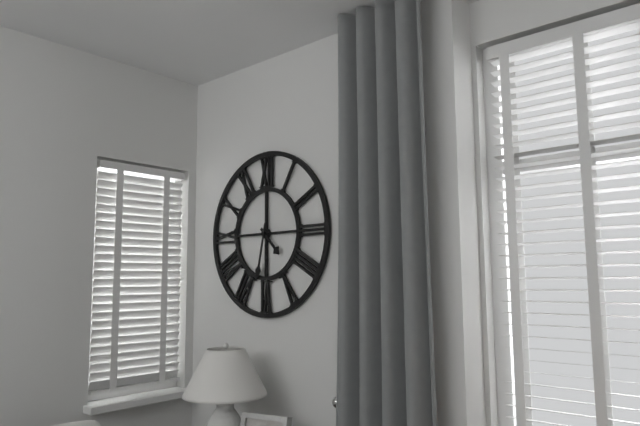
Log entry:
h=4 m=32
